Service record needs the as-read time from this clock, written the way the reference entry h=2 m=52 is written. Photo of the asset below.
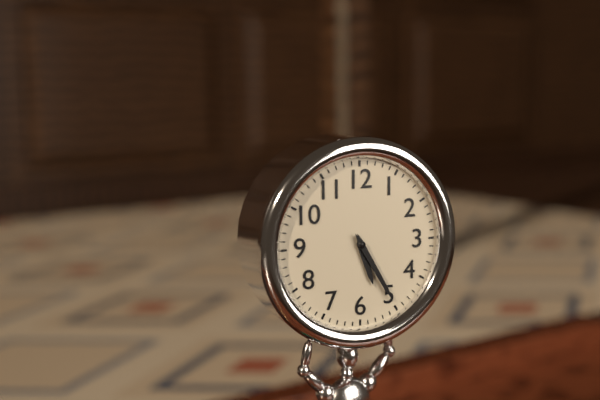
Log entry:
h=5 m=25
